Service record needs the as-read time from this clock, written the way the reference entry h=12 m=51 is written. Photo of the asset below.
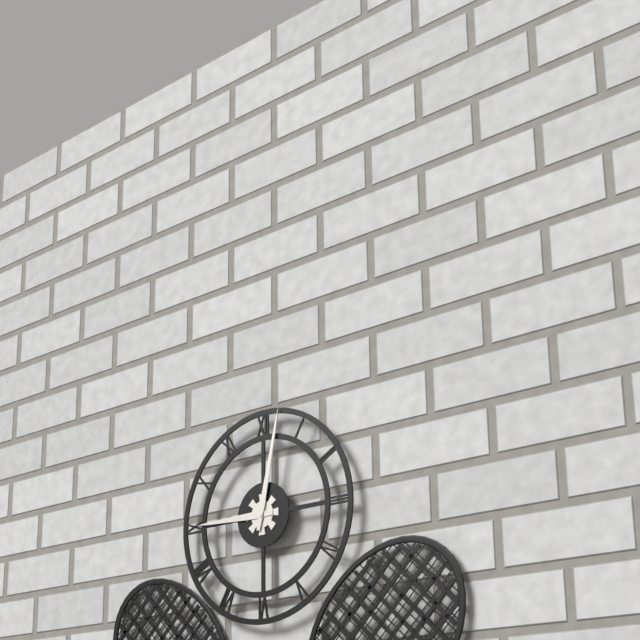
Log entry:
h=9 m=2
